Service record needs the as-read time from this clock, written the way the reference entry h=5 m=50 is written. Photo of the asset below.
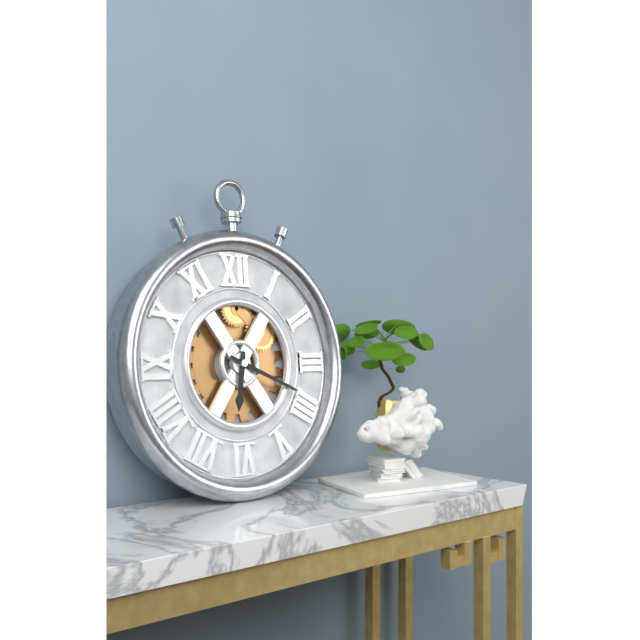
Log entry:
h=6 m=19
